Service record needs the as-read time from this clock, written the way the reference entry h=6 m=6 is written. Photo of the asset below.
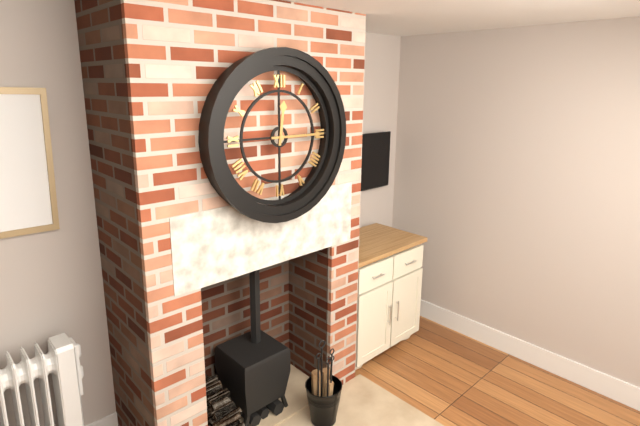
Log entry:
h=12 m=15
